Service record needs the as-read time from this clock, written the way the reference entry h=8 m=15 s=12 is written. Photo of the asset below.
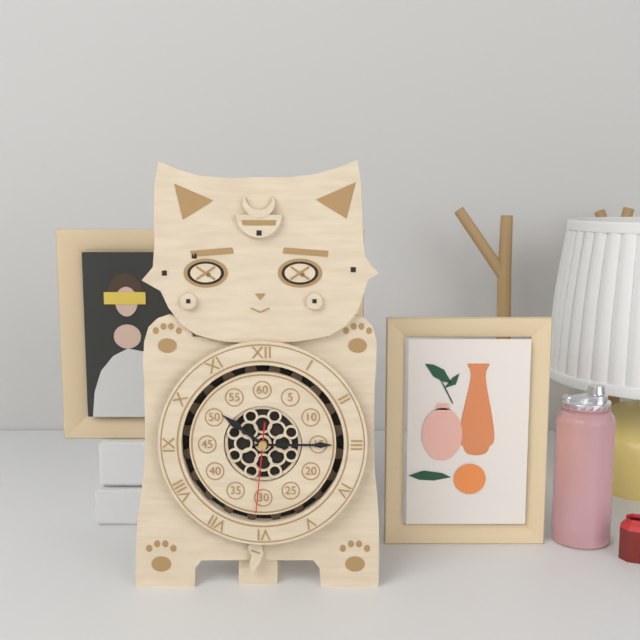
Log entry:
h=10 m=15 s=31
